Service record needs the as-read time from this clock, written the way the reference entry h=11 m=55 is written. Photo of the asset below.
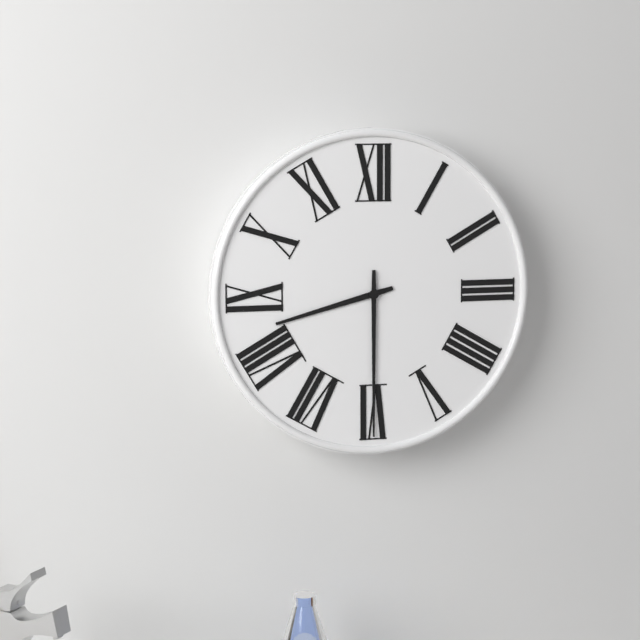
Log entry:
h=8 m=30
